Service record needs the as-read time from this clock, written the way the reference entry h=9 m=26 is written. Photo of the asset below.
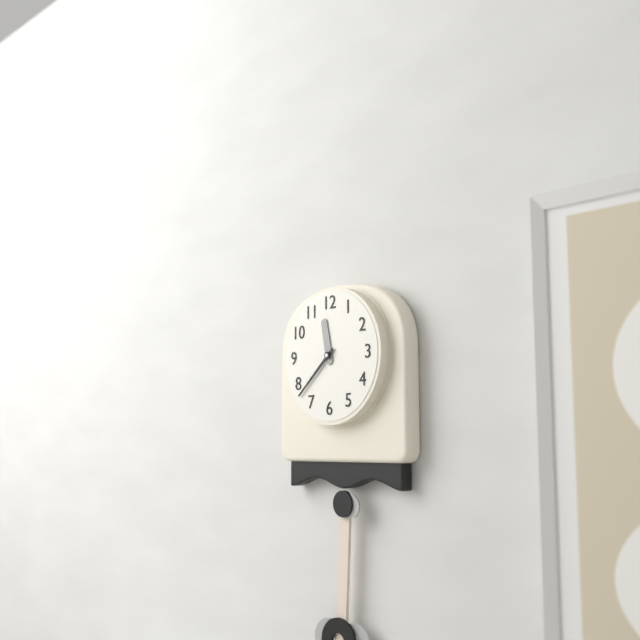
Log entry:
h=11 m=38
